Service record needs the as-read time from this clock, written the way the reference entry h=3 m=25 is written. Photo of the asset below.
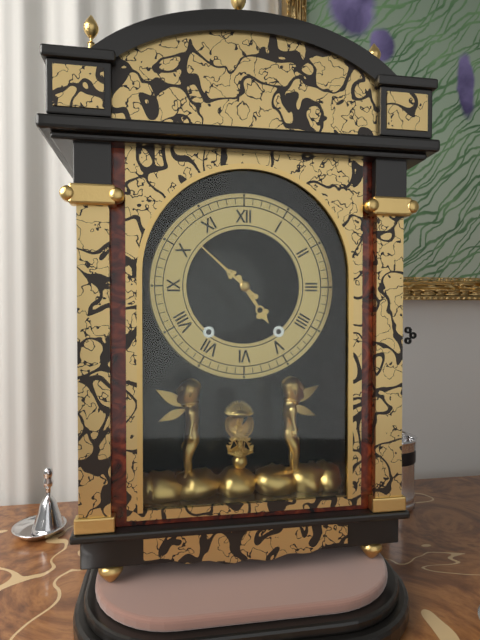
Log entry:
h=4 m=52
